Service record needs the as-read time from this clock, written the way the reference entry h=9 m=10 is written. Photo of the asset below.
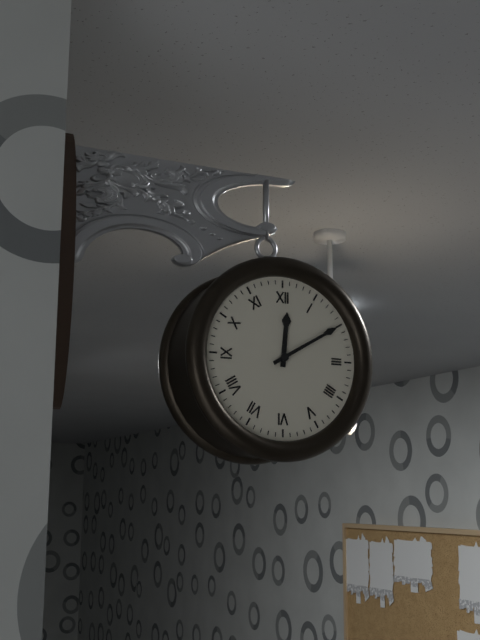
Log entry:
h=12 m=10
